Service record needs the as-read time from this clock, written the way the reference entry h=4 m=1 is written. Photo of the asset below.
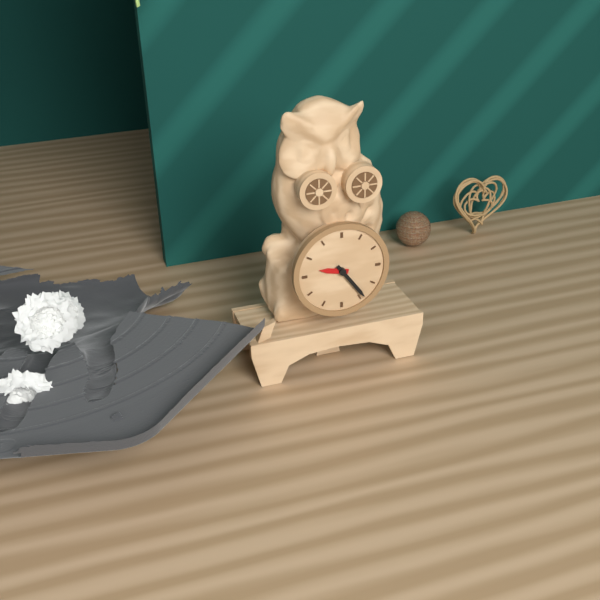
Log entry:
h=9 m=24
